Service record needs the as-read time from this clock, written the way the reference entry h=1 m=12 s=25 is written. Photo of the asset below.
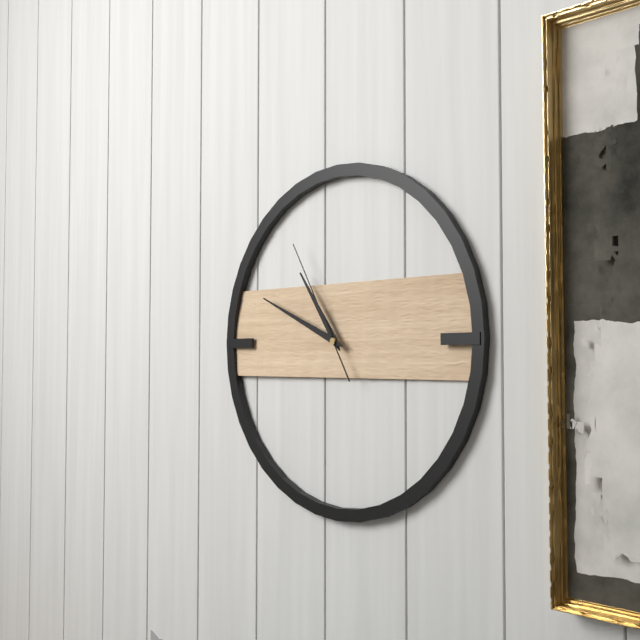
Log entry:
h=10 m=49 s=55
